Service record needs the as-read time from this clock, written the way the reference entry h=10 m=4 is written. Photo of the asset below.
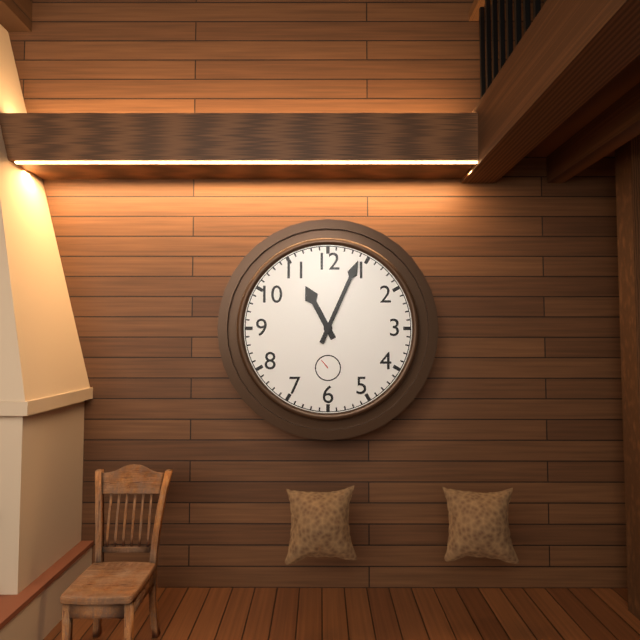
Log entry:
h=11 m=4
